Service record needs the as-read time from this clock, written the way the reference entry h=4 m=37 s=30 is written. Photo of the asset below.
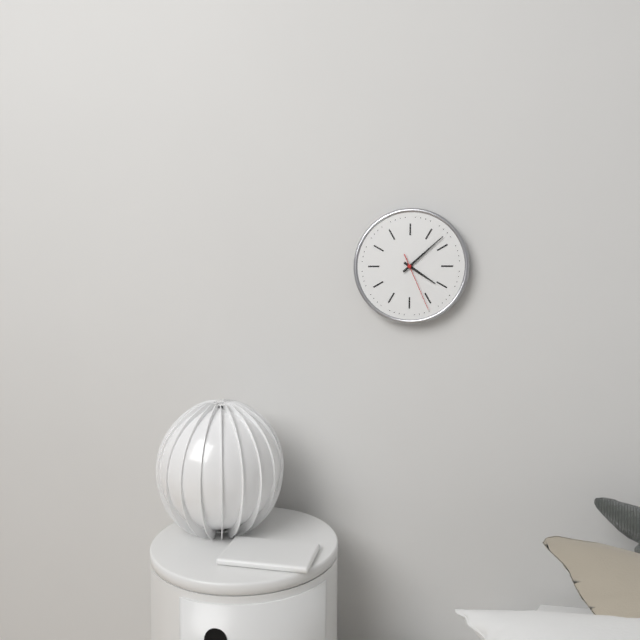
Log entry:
h=4 m=8 s=26
